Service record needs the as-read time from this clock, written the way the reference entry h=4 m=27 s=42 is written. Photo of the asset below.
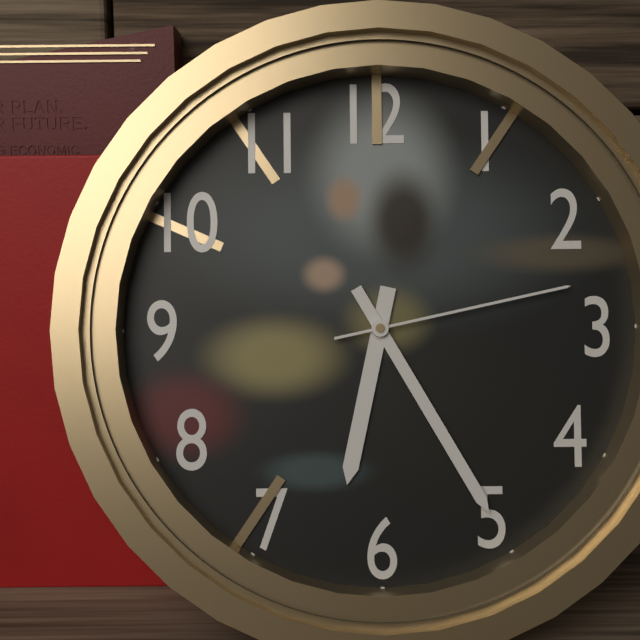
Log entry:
h=6 m=25 s=13
